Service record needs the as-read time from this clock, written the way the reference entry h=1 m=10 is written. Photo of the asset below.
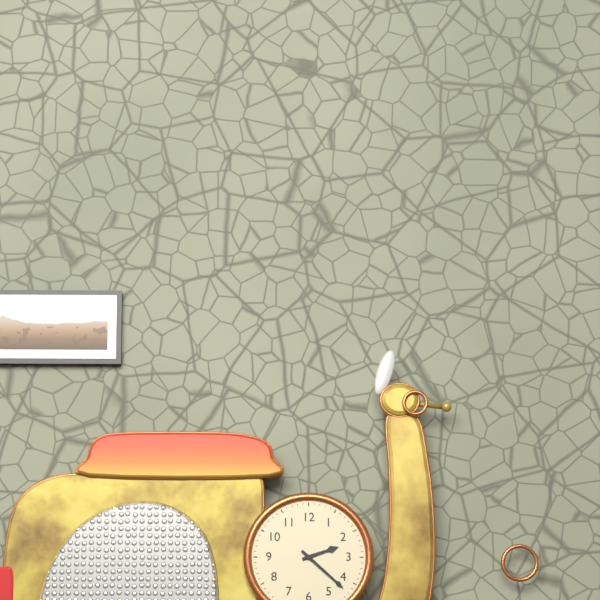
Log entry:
h=2 m=22
